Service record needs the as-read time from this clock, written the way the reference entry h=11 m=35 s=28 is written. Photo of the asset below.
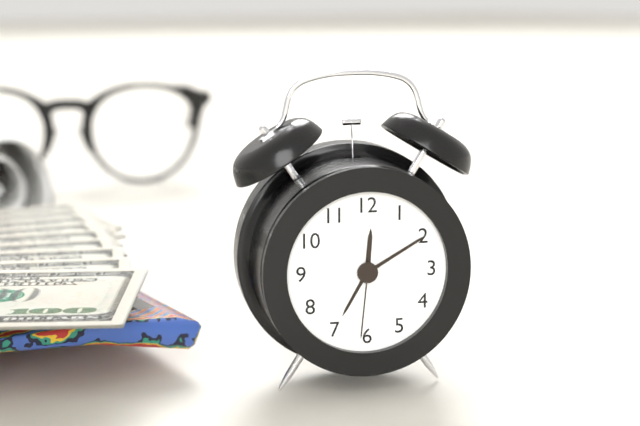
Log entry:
h=12 m=10 s=31
